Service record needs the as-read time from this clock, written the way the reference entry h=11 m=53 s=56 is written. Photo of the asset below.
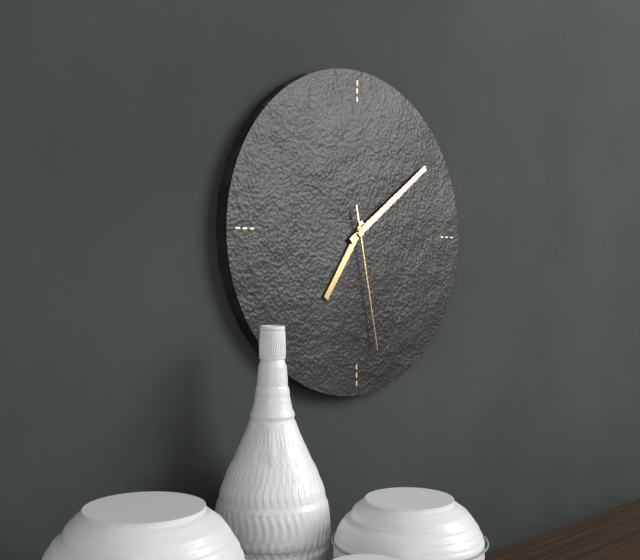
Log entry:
h=7 m=9 s=28
